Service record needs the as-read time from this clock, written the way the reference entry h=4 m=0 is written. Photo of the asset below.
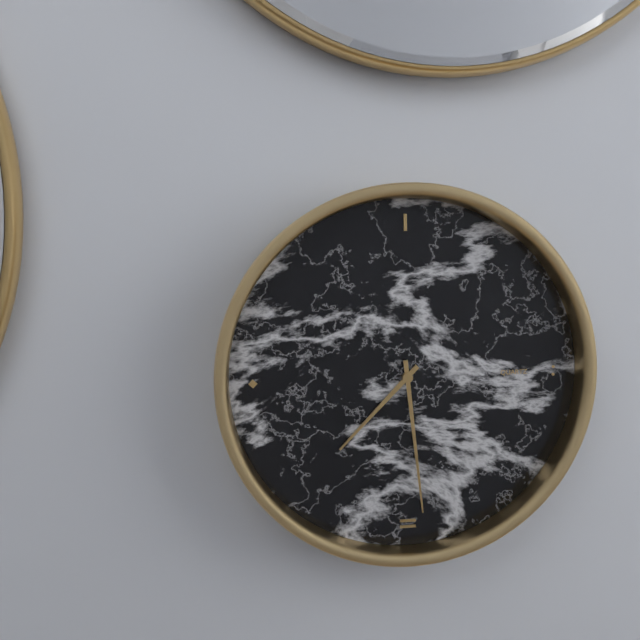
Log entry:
h=7 m=29
